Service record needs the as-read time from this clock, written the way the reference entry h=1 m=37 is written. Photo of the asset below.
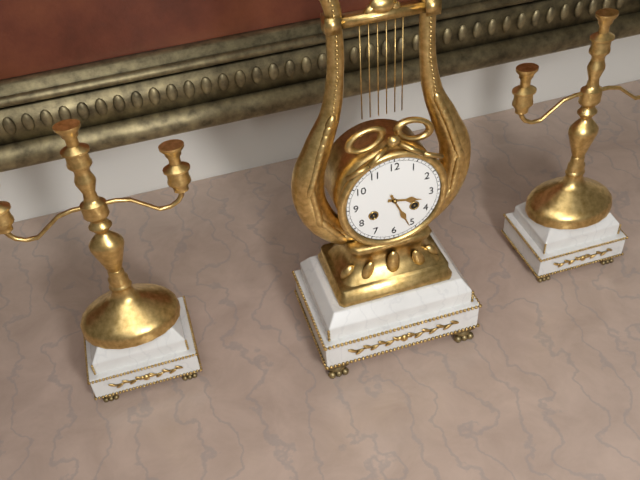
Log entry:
h=3 m=26
